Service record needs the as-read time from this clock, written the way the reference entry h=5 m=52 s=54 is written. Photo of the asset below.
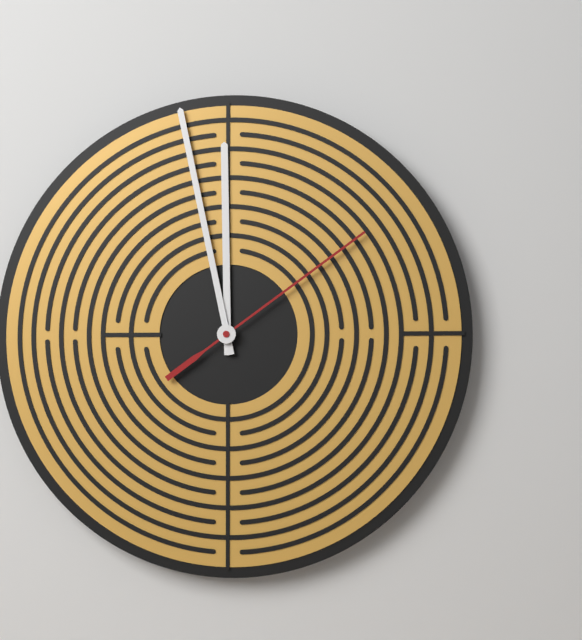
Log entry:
h=11 m=58 s=9
